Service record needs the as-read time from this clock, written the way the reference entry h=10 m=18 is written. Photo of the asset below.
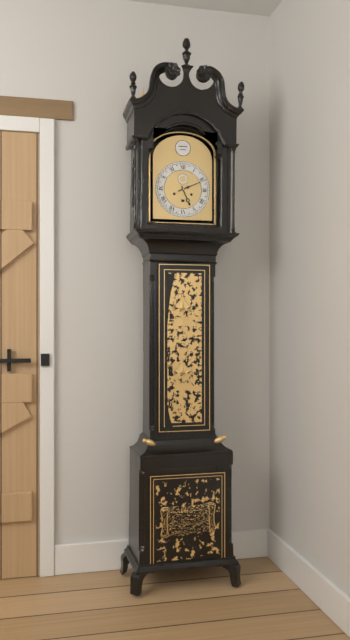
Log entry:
h=5 m=11
